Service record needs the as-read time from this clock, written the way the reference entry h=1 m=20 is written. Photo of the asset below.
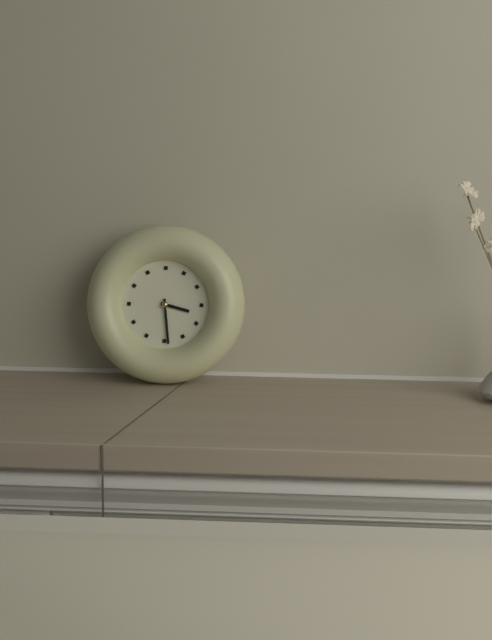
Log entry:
h=3 m=29
